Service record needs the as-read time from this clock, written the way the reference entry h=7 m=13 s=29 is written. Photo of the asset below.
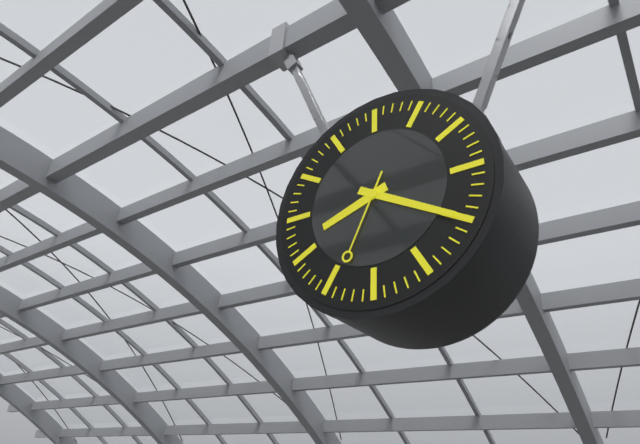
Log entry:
h=8 m=20 s=34
